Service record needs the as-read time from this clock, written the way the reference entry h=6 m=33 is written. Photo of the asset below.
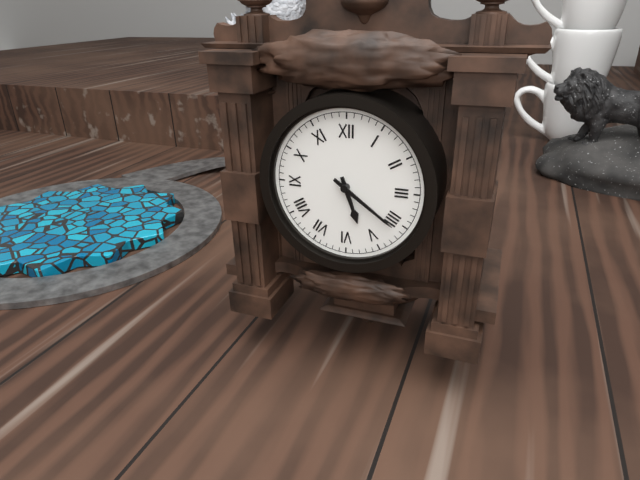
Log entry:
h=5 m=21
